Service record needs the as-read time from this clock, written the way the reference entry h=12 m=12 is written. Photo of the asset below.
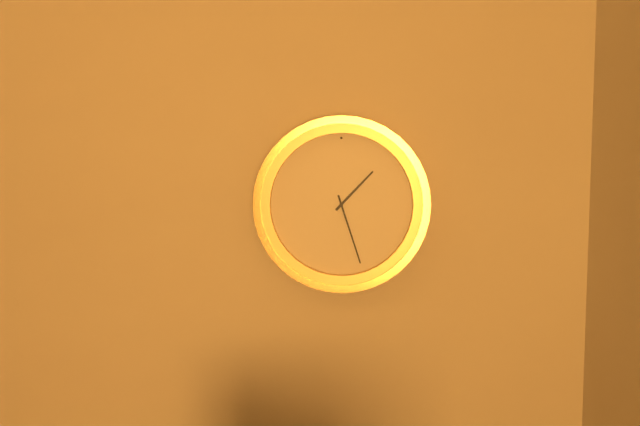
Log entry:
h=1 m=27
